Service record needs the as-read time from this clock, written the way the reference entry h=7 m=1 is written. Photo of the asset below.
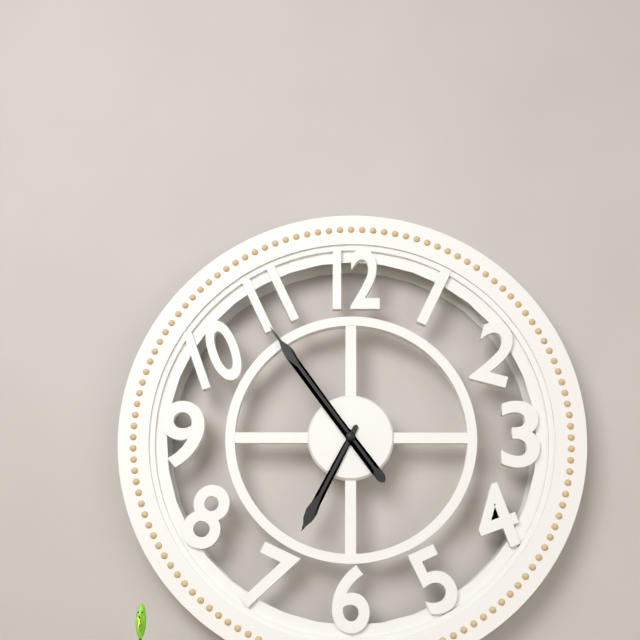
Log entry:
h=6 m=54
